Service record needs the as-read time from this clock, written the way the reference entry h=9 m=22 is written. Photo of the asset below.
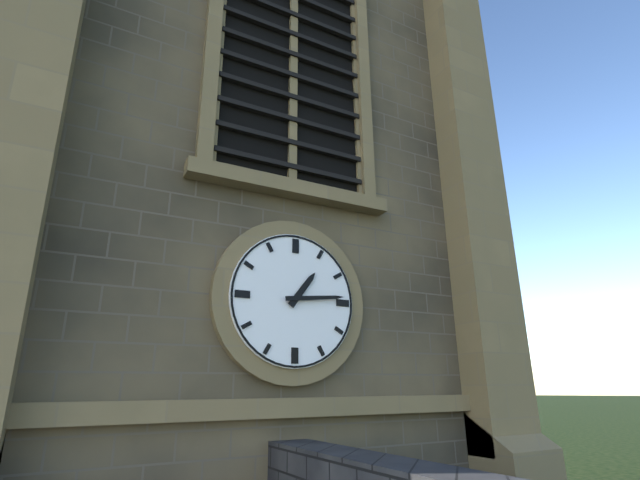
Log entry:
h=1 m=14
